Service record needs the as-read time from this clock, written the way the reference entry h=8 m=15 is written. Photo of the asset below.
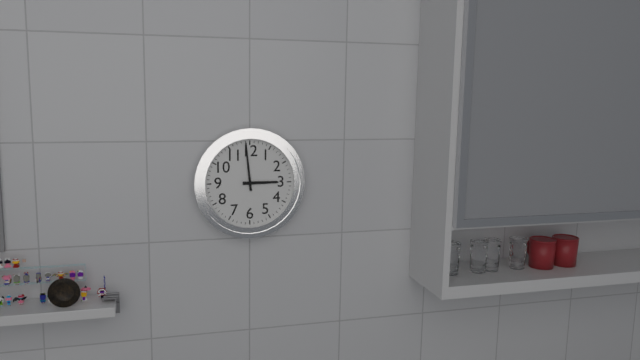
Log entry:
h=2 m=59
